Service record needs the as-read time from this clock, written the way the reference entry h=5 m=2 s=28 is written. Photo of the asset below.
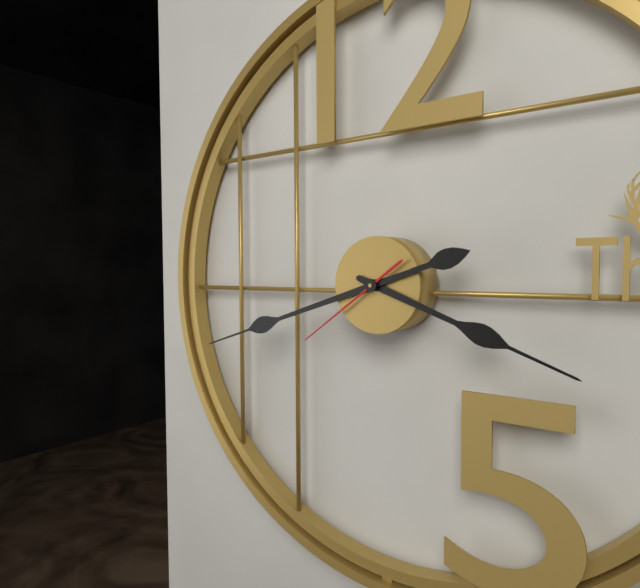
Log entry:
h=3 m=42 s=39
